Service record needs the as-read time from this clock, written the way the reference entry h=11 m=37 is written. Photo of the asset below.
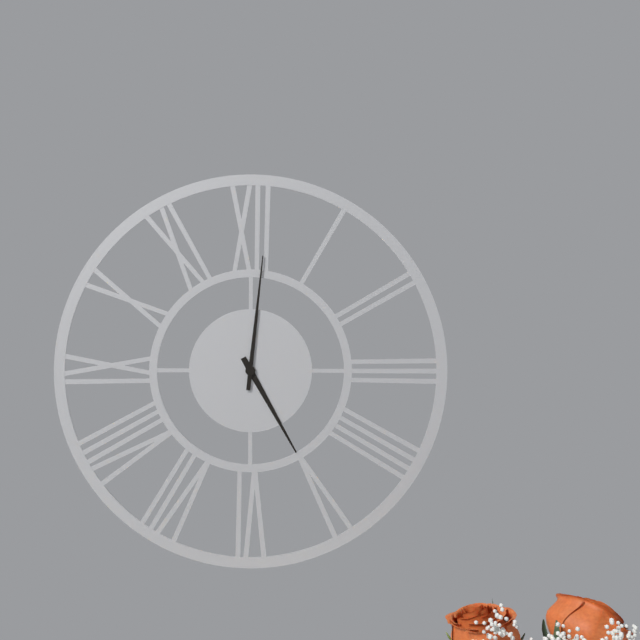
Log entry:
h=5 m=1
